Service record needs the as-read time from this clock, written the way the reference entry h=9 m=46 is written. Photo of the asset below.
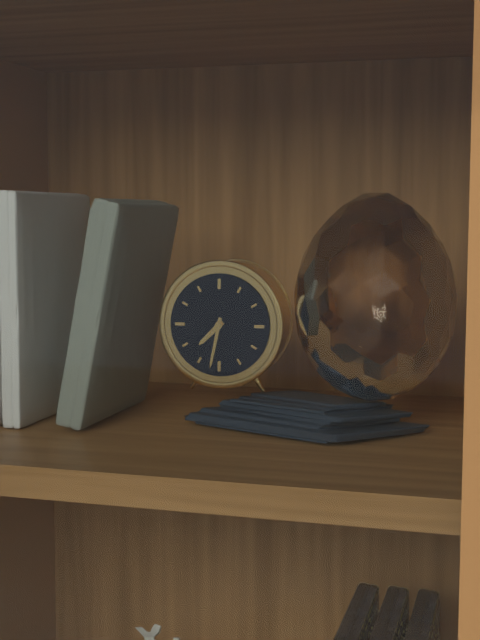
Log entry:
h=7 m=32
